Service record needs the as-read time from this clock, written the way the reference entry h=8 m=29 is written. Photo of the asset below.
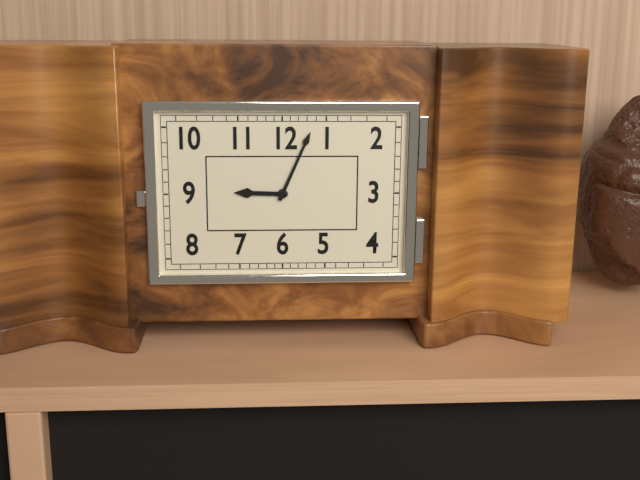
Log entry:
h=9 m=4
